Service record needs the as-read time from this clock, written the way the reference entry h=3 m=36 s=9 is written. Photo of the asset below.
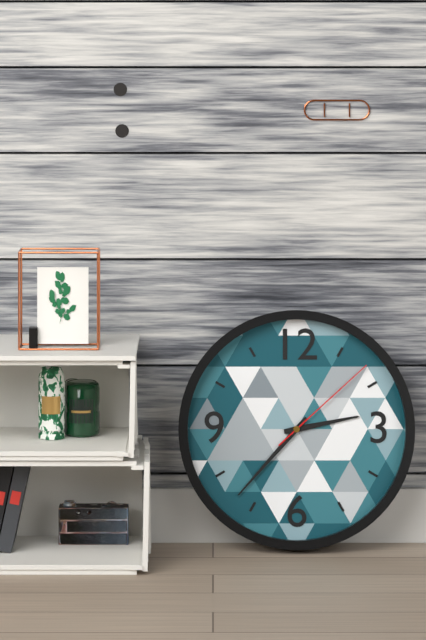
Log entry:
h=2 m=37 s=8
